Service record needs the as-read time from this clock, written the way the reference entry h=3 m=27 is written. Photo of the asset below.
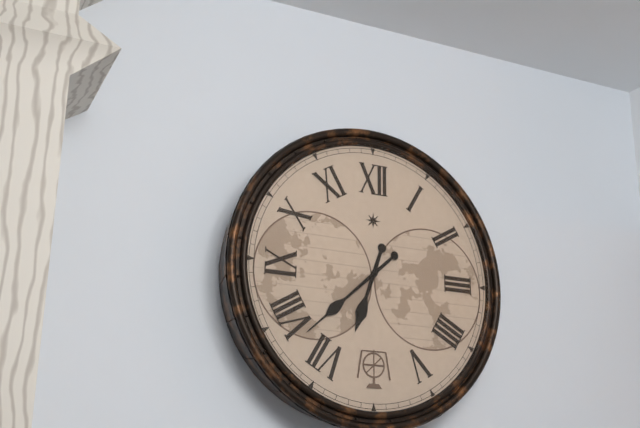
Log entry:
h=6 m=38
